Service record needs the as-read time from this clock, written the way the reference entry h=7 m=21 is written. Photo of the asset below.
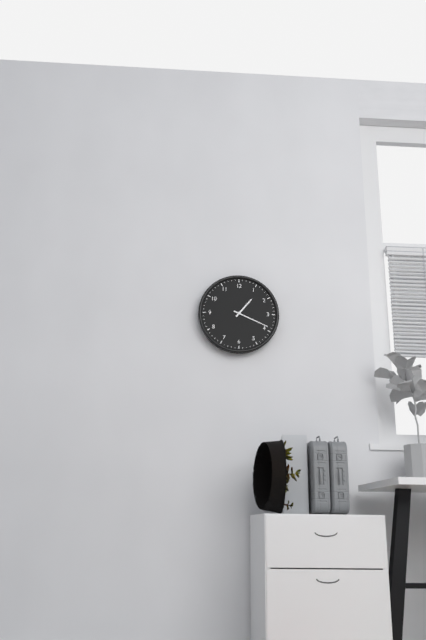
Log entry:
h=1 m=19
